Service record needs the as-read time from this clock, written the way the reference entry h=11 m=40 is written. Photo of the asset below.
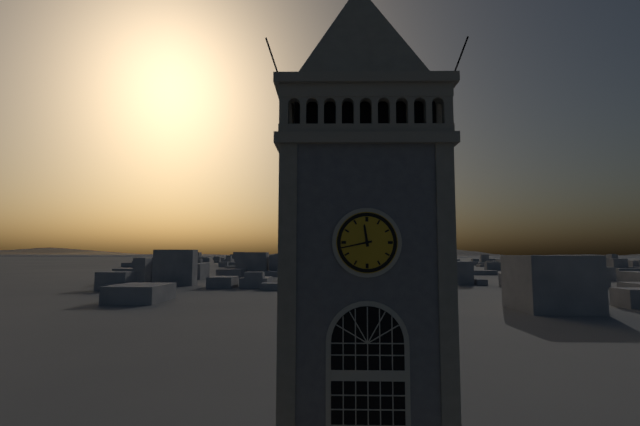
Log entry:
h=11 m=43
